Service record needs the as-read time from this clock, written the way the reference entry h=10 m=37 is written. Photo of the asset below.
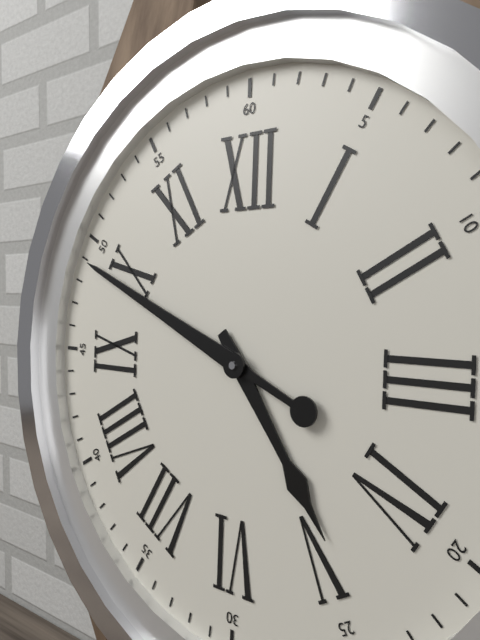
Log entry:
h=4 m=49
